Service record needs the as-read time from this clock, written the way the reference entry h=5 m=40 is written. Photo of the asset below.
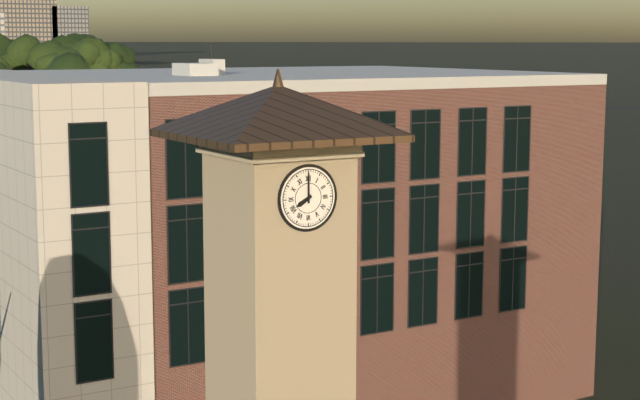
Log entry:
h=8 m=0
